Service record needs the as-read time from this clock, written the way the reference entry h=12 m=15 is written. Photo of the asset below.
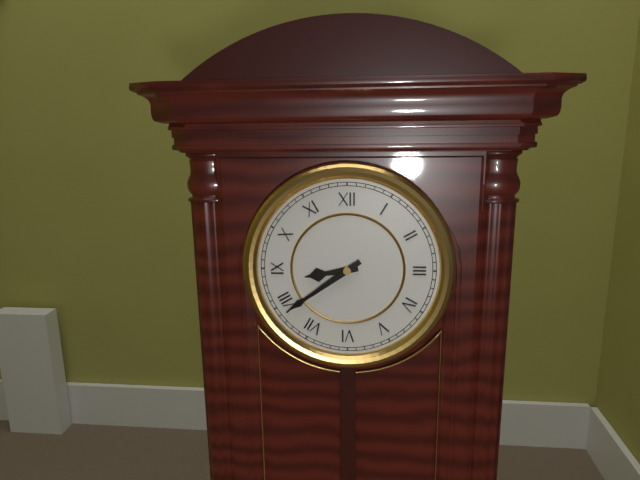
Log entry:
h=8 m=39
